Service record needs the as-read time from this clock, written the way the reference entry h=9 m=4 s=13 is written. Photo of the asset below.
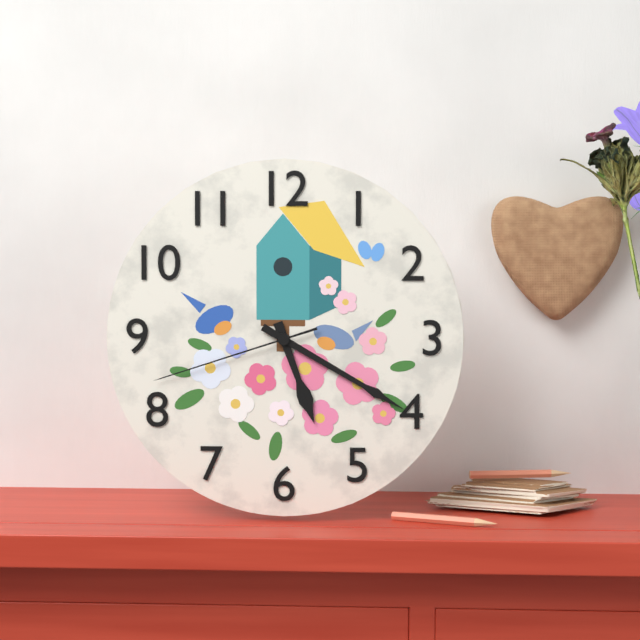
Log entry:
h=5 m=20 s=42
